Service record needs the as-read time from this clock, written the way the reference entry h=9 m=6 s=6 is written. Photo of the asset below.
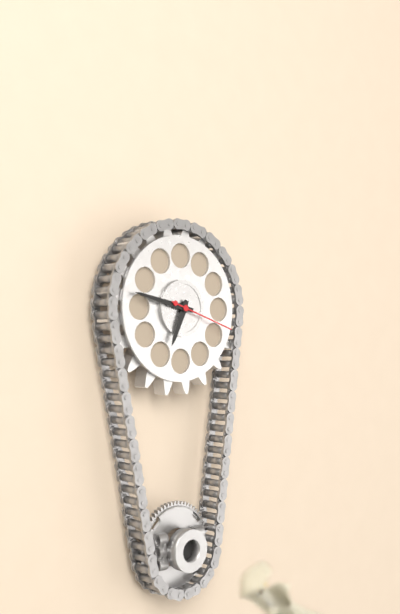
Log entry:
h=6 m=47 s=18
